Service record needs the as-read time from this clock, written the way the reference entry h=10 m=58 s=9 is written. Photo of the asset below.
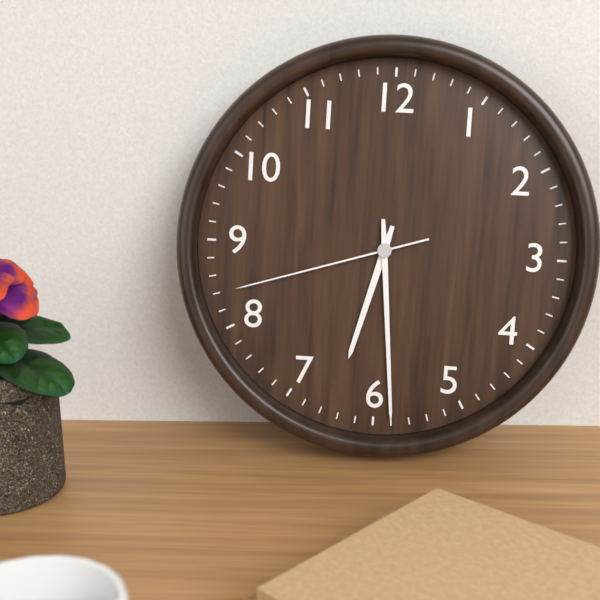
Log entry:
h=6 m=29 s=42
